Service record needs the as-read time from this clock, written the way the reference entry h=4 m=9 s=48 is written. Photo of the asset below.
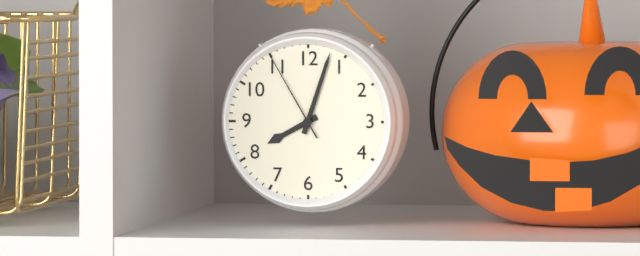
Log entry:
h=8 m=3 s=55
